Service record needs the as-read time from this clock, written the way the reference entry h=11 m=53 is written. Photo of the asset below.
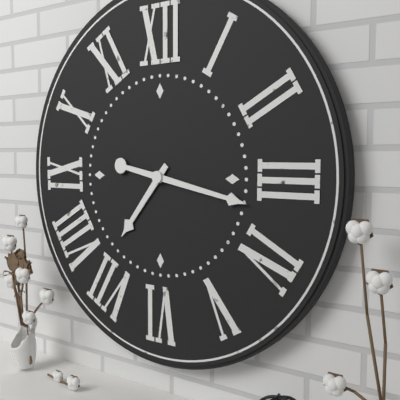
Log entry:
h=7 m=17
